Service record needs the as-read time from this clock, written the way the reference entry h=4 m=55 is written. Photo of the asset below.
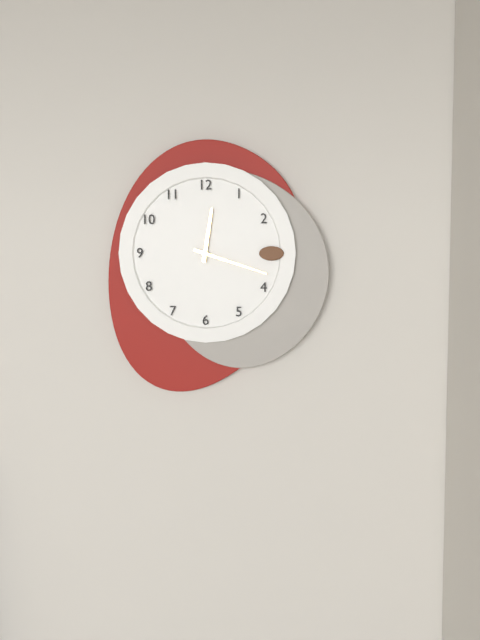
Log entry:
h=12 m=18
